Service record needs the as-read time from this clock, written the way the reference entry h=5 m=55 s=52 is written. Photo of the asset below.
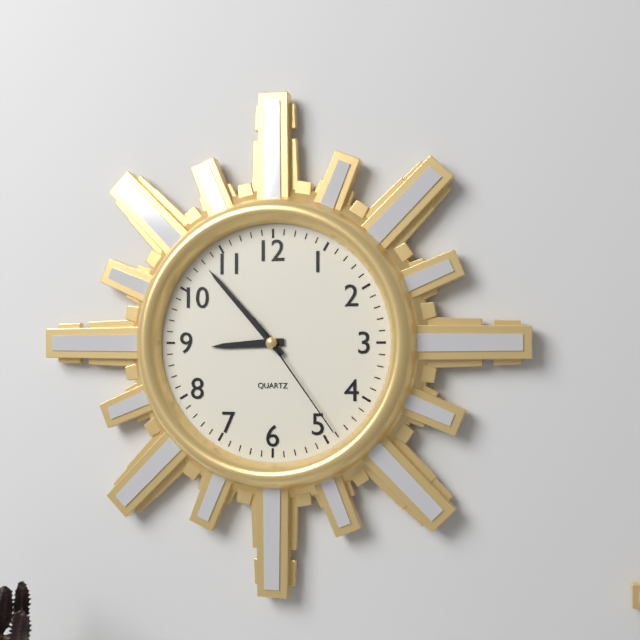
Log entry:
h=8 m=53 s=24
